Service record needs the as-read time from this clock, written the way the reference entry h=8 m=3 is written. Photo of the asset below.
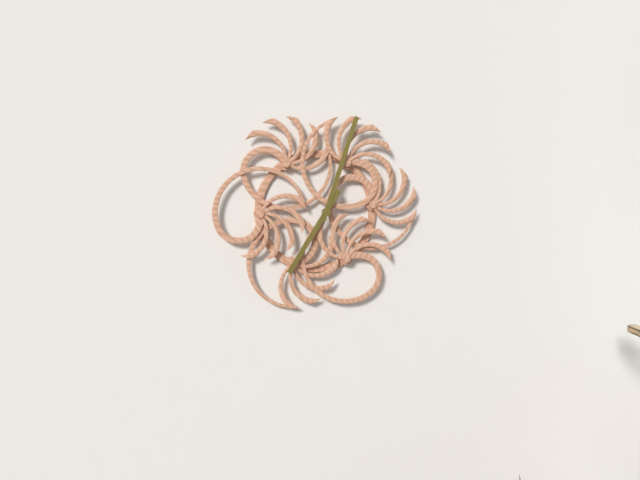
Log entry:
h=7 m=3
